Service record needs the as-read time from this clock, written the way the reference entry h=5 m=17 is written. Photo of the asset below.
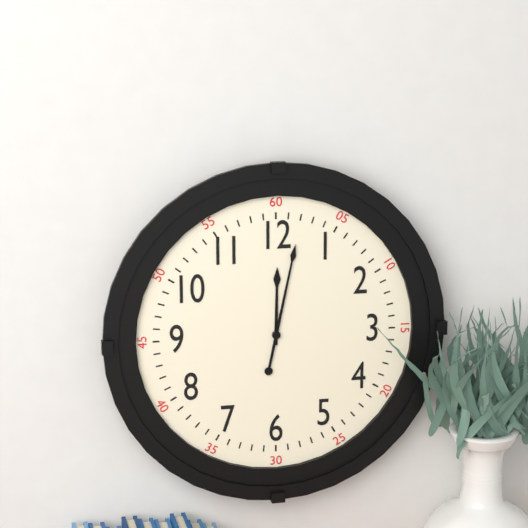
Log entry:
h=12 m=2
